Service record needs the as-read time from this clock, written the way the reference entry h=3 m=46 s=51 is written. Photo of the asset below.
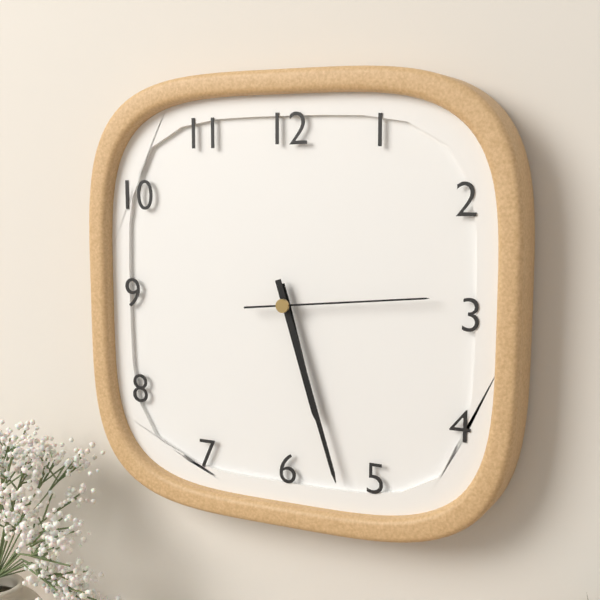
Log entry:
h=5 m=27 s=14
